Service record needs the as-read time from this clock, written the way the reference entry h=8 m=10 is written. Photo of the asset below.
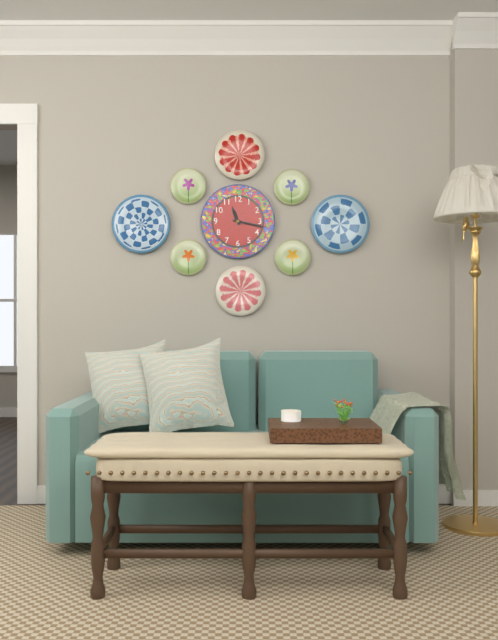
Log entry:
h=11 m=17
